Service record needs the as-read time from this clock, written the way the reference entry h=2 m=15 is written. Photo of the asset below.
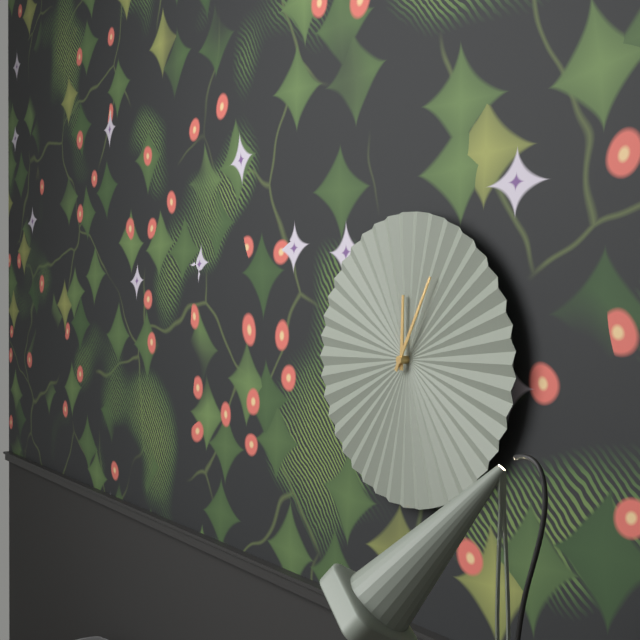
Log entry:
h=12 m=5
